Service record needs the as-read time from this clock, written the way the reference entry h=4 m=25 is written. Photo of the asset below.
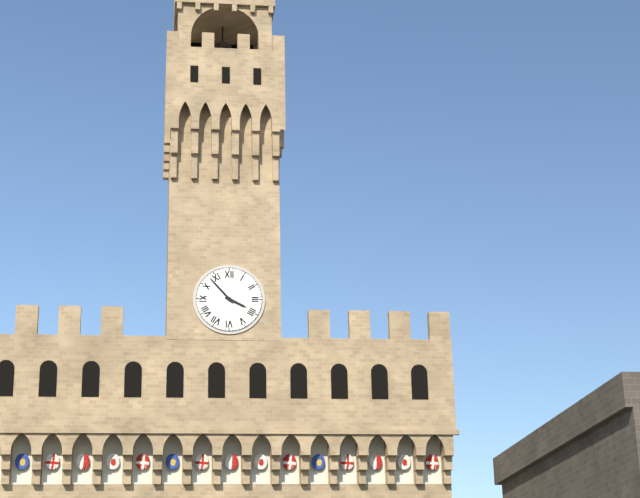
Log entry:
h=3 m=53
